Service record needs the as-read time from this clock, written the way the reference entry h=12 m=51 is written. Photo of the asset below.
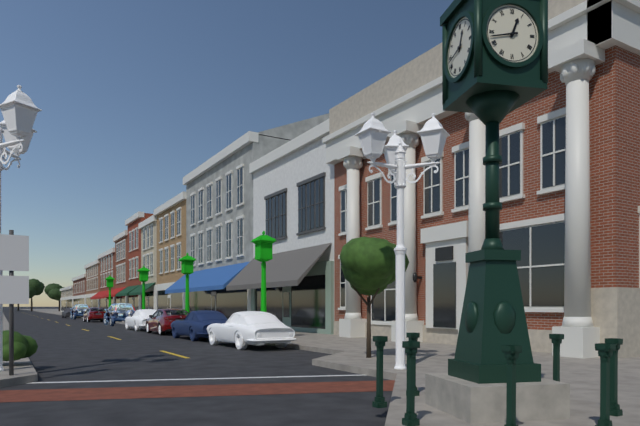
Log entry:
h=12 m=43
